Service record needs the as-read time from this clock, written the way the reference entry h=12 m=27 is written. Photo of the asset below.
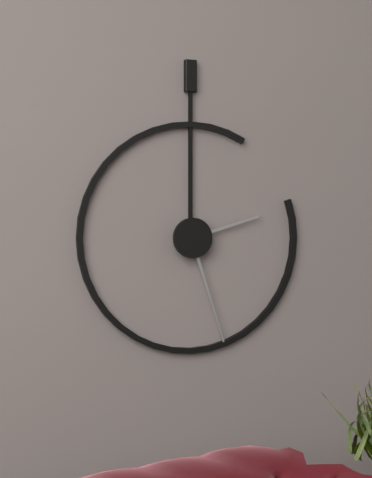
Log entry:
h=2 m=27
